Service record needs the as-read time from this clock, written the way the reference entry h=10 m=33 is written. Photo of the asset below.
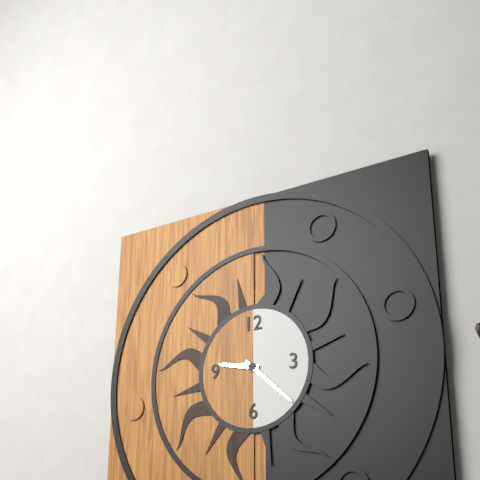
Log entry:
h=9 m=22
